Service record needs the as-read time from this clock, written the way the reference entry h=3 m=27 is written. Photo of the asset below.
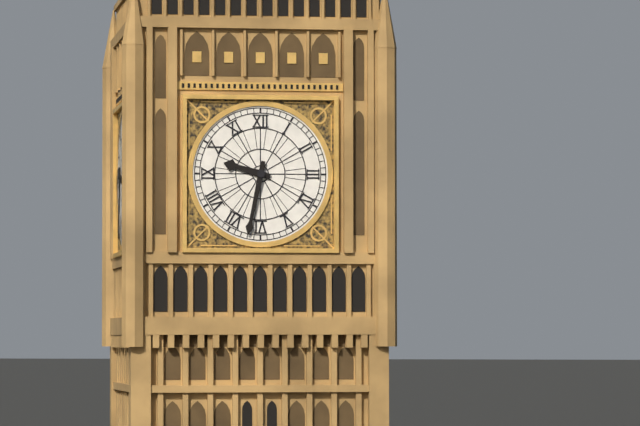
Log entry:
h=9 m=32
